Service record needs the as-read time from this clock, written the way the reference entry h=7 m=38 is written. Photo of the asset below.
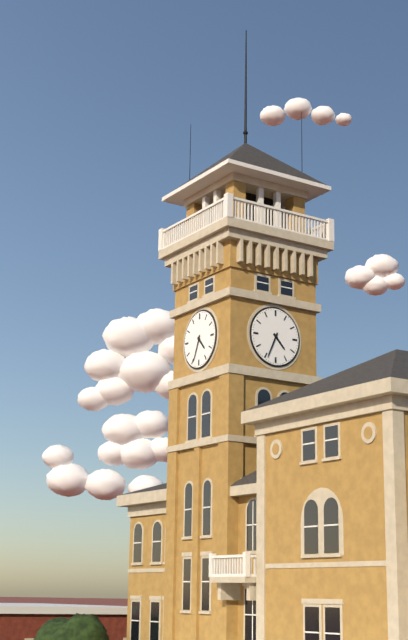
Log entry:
h=4 m=34
